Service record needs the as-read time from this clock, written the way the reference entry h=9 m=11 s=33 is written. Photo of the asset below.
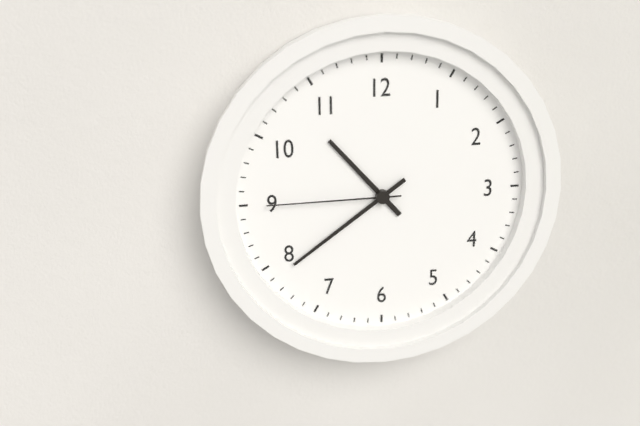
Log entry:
h=10 m=39 s=45
